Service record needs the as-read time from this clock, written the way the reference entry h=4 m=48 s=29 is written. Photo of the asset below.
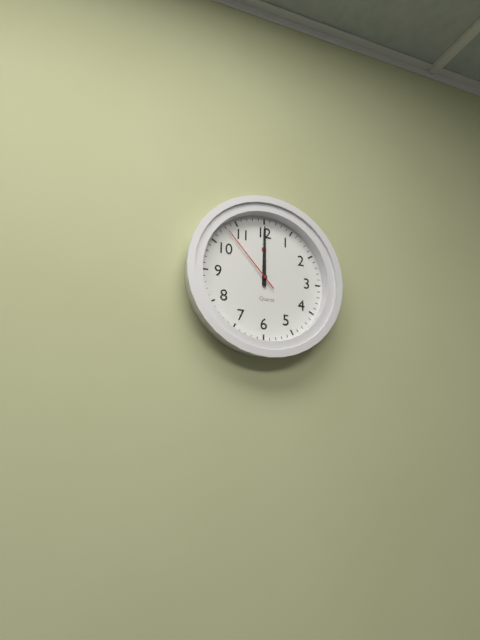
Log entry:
h=12 m=0 s=53
